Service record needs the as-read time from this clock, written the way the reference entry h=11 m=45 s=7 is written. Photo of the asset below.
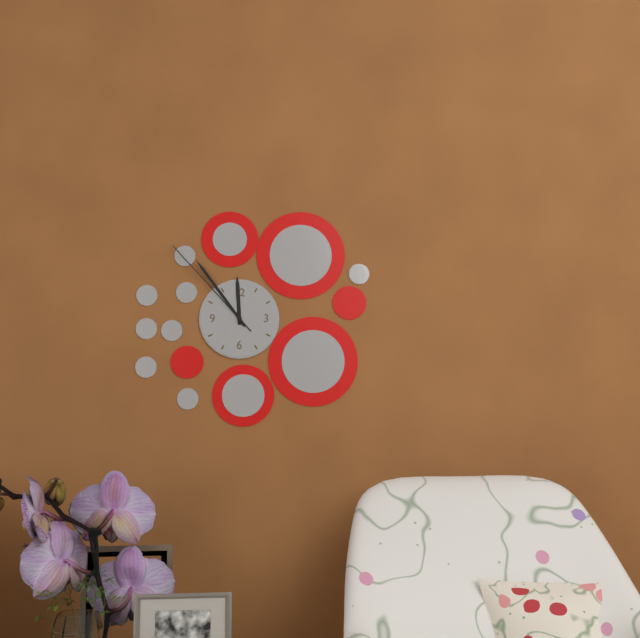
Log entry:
h=11 m=54 s=53
